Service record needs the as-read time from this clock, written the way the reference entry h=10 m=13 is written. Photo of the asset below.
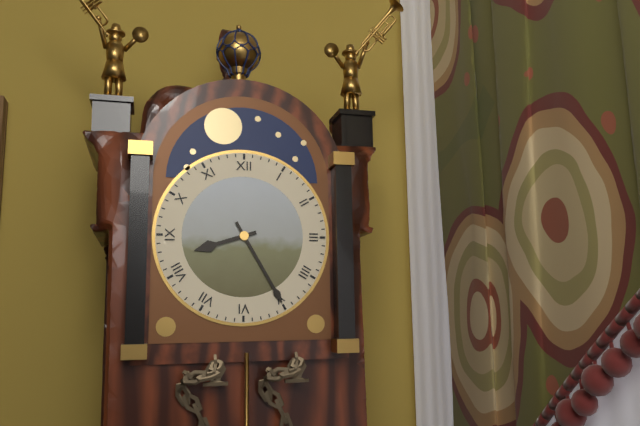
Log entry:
h=8 m=25
